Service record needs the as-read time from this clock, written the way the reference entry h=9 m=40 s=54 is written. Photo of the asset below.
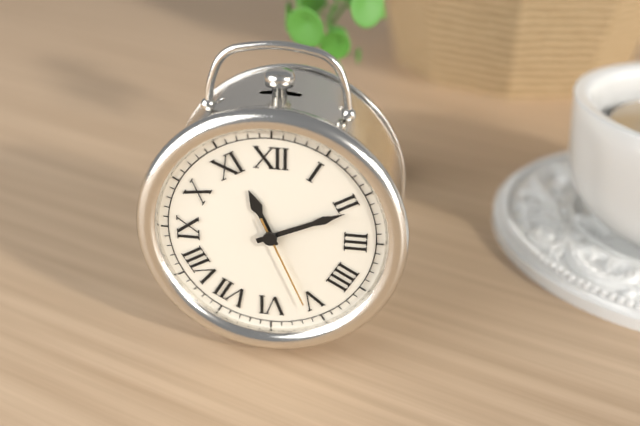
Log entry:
h=11 m=11 s=26
